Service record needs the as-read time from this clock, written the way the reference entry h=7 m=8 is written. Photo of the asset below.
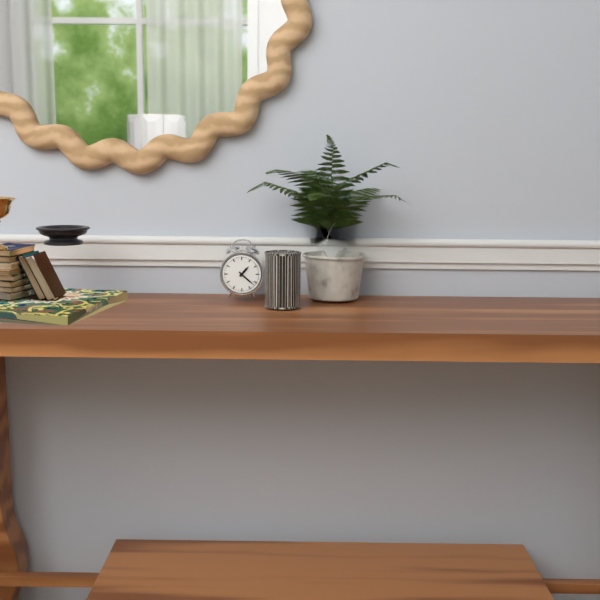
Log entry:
h=1 m=22
